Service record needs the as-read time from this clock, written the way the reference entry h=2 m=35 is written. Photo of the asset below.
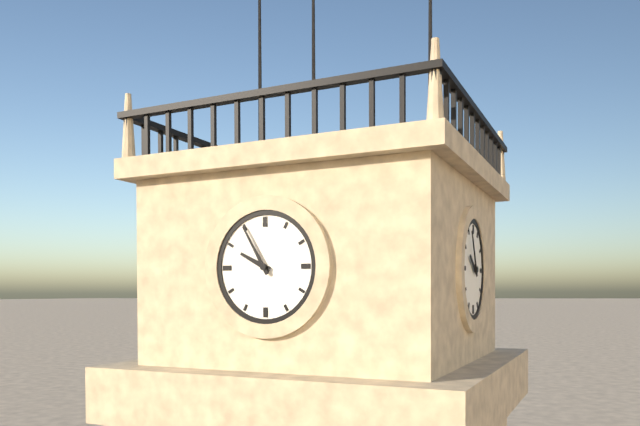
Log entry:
h=9 m=55
